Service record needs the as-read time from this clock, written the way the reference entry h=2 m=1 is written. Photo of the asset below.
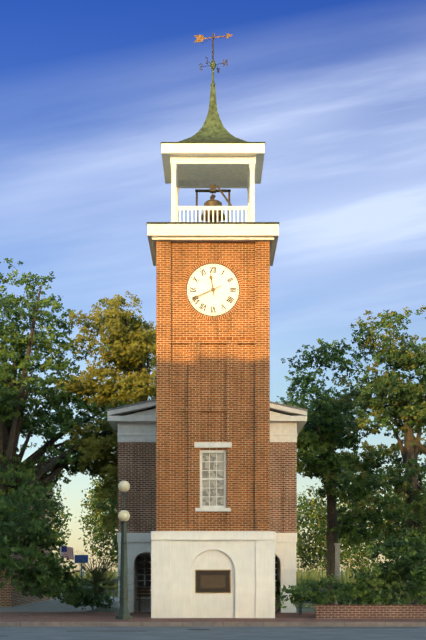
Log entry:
h=11 m=41
